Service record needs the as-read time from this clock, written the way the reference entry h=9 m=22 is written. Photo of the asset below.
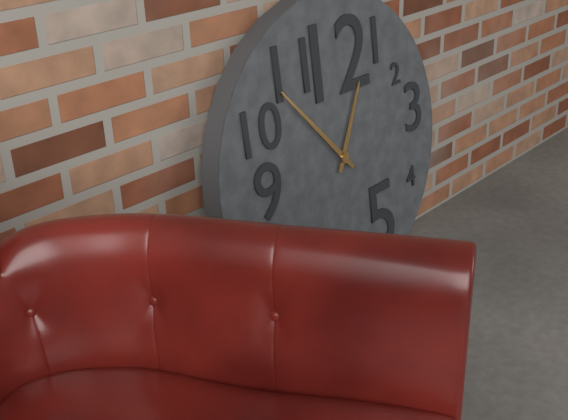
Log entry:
h=12 m=53
